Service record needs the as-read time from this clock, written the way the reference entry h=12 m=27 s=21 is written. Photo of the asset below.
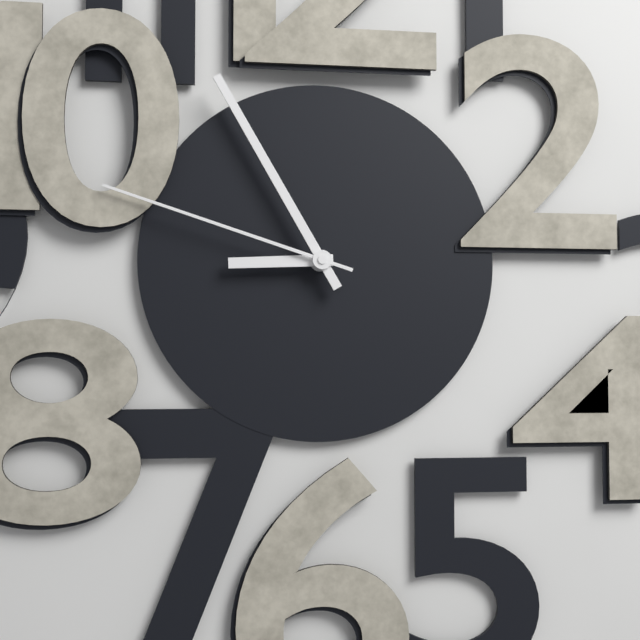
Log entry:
h=8 m=55 s=48
